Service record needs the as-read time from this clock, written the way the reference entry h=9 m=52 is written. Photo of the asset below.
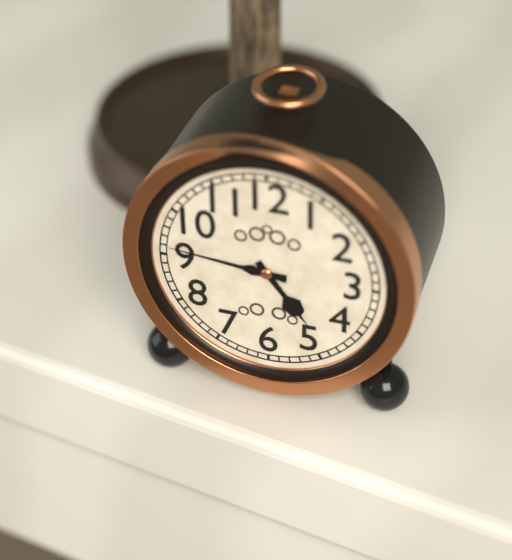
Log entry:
h=4 m=46
